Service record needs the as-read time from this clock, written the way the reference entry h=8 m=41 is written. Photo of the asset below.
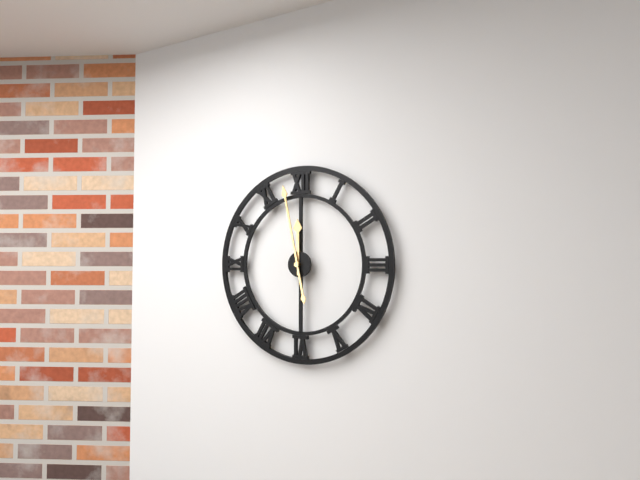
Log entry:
h=11 m=58
